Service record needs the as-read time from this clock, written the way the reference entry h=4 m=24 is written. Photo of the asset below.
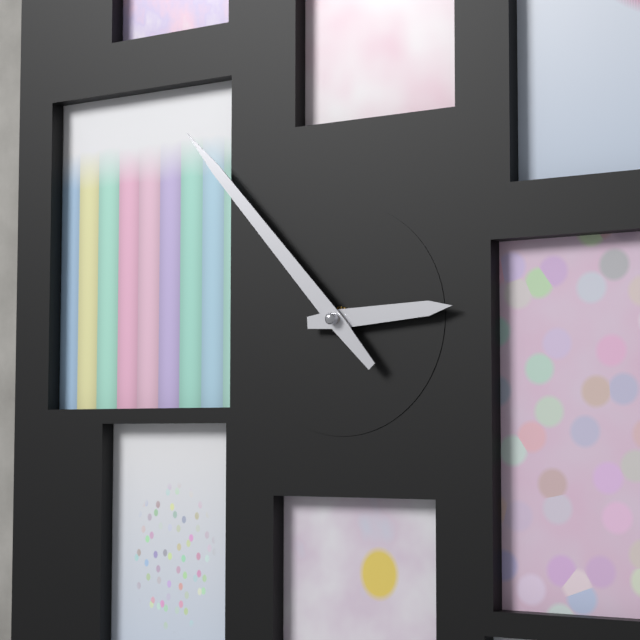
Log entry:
h=2 m=53
